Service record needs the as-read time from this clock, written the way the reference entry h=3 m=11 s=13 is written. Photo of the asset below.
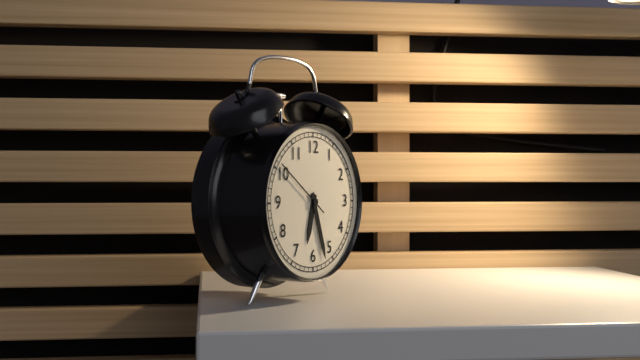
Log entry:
h=6 m=27 s=51
